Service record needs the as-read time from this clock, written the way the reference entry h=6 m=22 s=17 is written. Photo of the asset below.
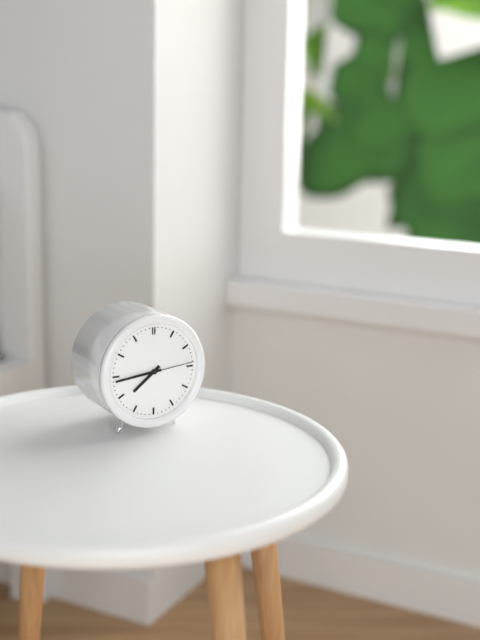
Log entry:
h=7 m=44 s=14
